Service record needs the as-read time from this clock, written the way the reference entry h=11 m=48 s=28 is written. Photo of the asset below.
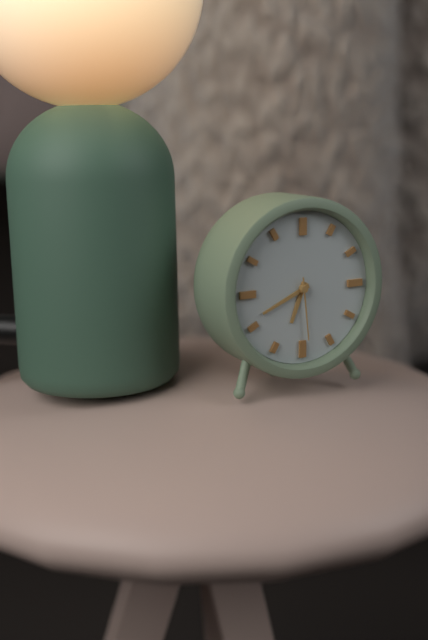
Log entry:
h=6 m=41 s=29
